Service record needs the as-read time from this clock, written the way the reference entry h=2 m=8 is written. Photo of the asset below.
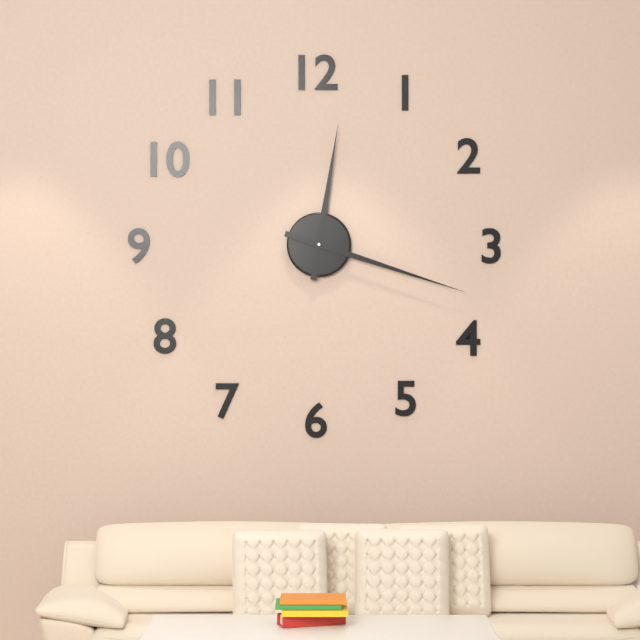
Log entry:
h=12 m=18
